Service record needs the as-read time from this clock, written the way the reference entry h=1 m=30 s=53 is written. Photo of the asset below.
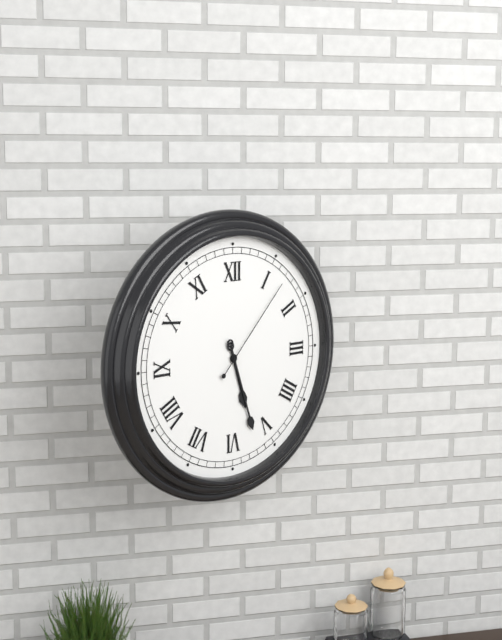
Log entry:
h=5 m=27 s=7
